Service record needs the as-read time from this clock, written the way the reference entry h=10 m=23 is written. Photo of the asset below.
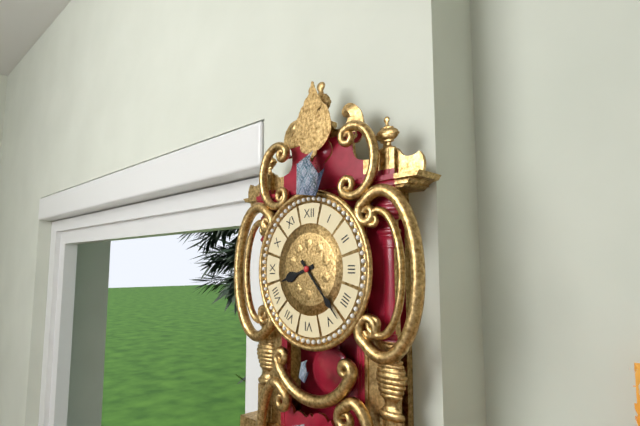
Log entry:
h=8 m=23
